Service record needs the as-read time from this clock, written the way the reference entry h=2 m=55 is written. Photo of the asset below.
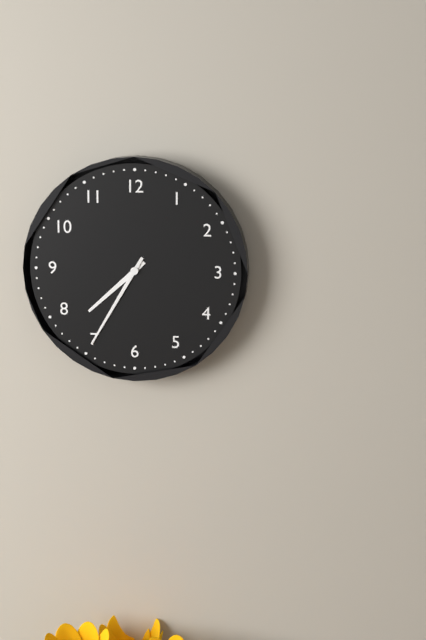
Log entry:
h=7 m=35
